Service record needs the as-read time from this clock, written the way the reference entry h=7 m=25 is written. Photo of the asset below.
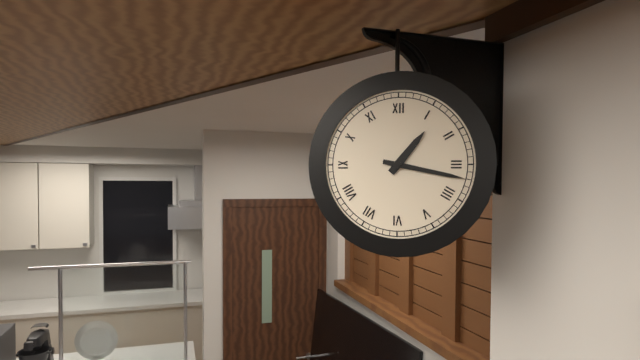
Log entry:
h=1 m=17
